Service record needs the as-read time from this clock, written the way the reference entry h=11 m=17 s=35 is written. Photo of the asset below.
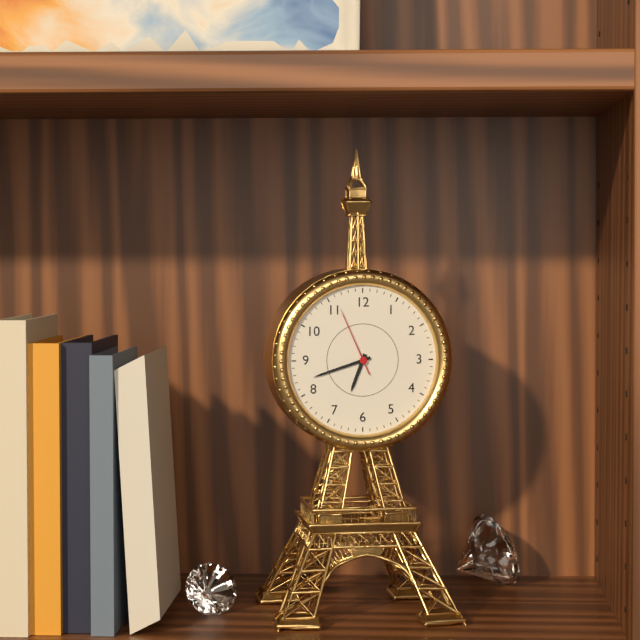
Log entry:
h=6 m=42 s=56
